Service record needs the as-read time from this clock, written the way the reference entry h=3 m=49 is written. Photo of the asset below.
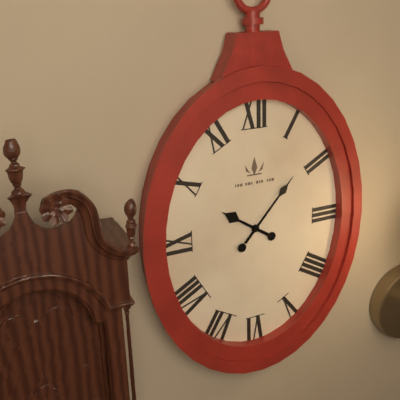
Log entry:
h=10 m=7
